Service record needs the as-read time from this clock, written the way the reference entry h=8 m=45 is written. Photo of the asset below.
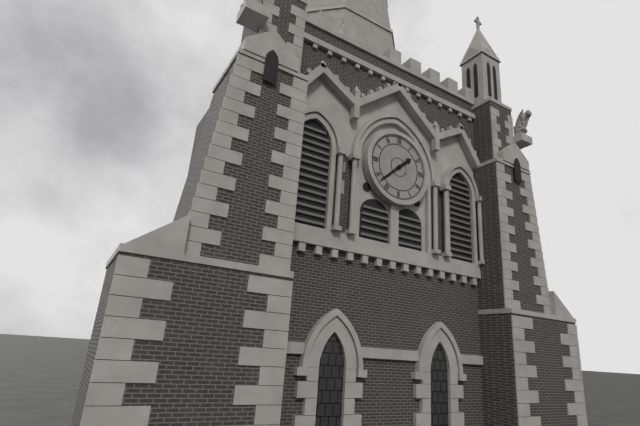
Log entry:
h=1 m=38
